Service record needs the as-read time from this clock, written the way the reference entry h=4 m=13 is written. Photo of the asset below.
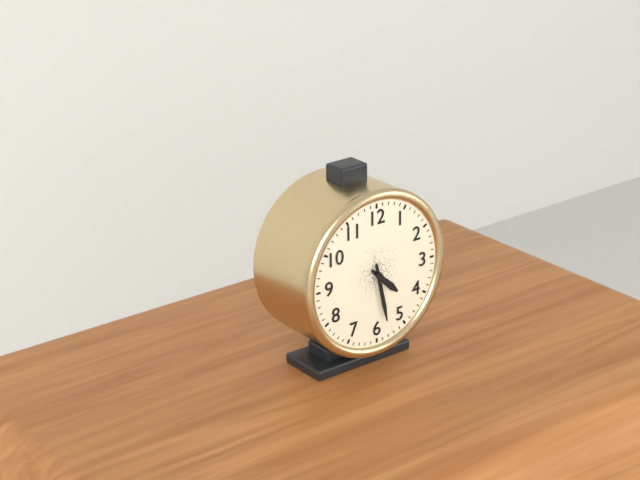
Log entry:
h=4 m=28
